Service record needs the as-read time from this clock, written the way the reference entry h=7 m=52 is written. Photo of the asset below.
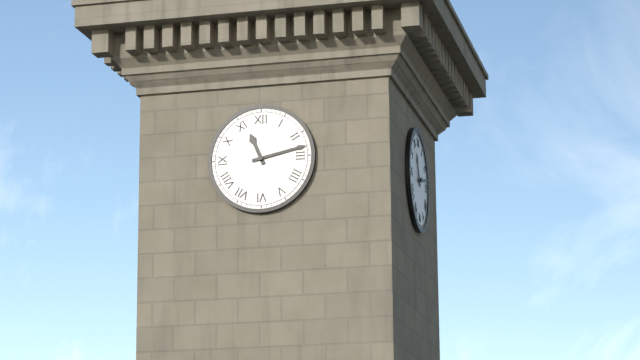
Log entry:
h=11 m=13
